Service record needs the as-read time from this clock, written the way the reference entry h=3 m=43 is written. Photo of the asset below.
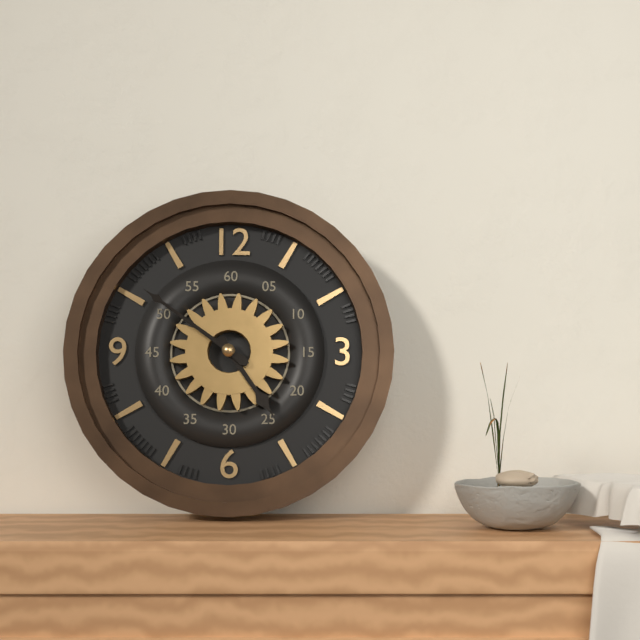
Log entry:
h=4 m=51
